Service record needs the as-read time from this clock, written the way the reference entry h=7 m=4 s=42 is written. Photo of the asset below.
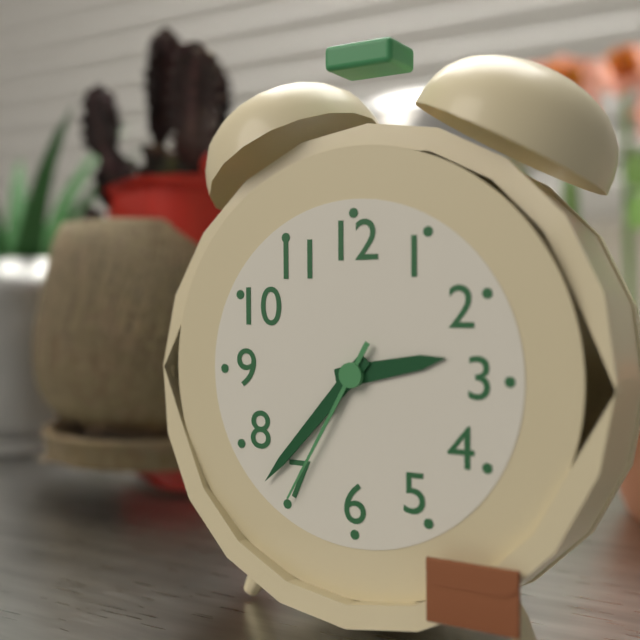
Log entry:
h=2 m=37 s=35
